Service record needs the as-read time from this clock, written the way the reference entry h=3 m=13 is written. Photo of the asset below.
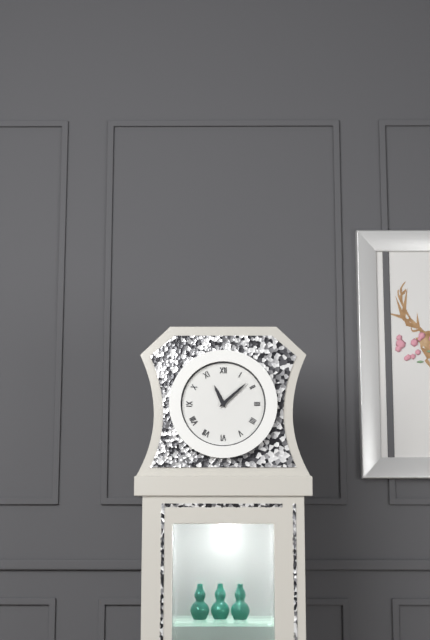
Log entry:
h=11 m=8
